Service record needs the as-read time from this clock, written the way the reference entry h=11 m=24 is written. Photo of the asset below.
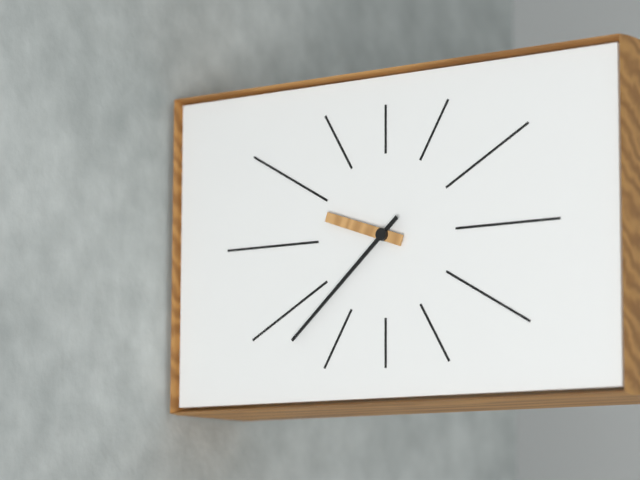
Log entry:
h=9 m=38
